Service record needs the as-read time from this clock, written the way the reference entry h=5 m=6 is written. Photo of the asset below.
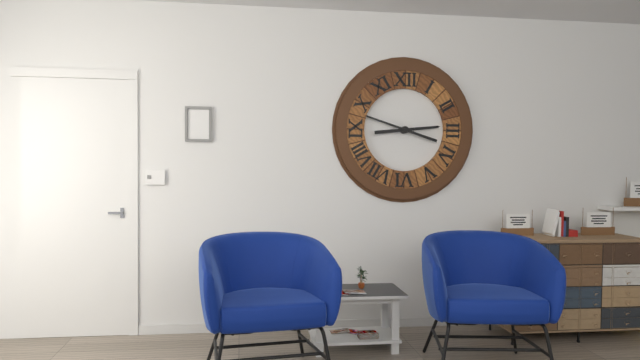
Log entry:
h=2 m=48
